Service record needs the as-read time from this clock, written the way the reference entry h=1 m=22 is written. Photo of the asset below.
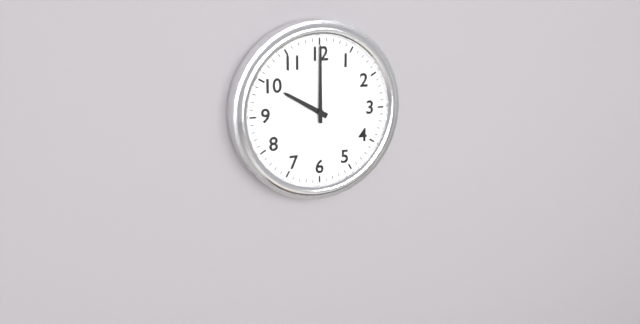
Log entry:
h=10 m=0
